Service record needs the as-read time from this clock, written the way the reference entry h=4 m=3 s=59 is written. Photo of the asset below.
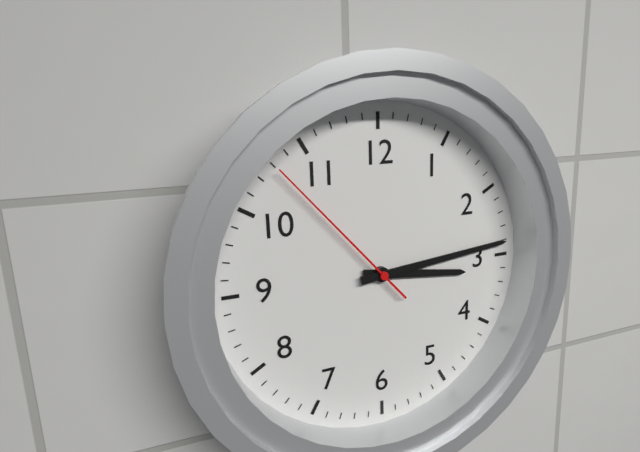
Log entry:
h=3 m=14 s=53
